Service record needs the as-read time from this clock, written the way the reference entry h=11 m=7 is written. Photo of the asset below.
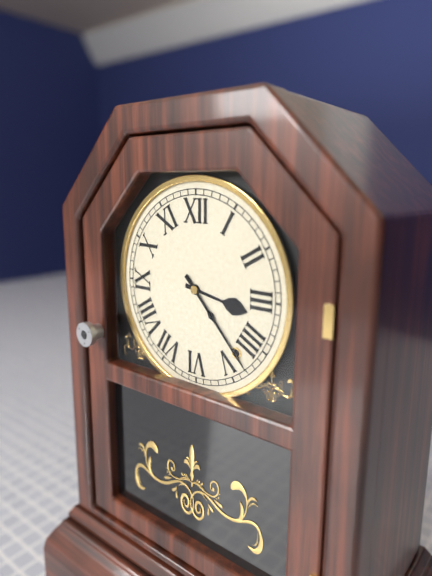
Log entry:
h=3 m=23
